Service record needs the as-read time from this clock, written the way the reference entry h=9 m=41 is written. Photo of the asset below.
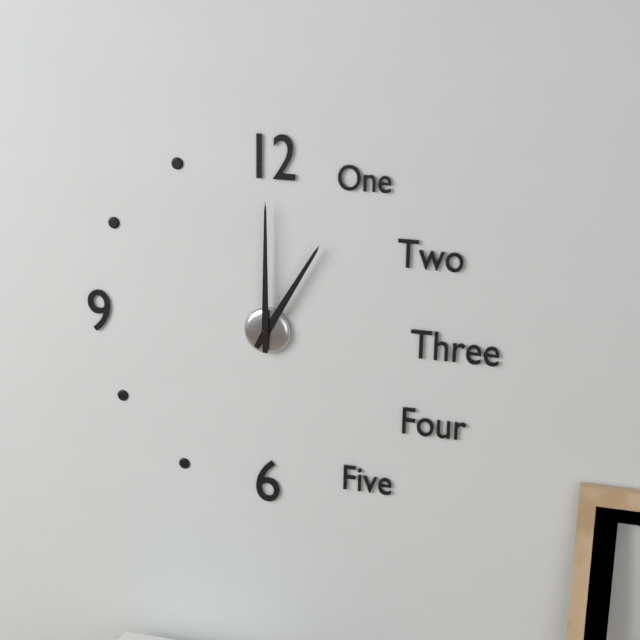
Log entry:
h=1 m=0
